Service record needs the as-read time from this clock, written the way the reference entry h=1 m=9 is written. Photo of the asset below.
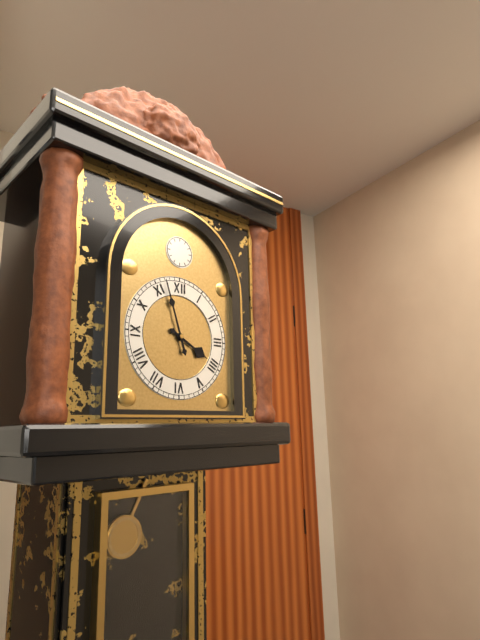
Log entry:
h=3 m=57
